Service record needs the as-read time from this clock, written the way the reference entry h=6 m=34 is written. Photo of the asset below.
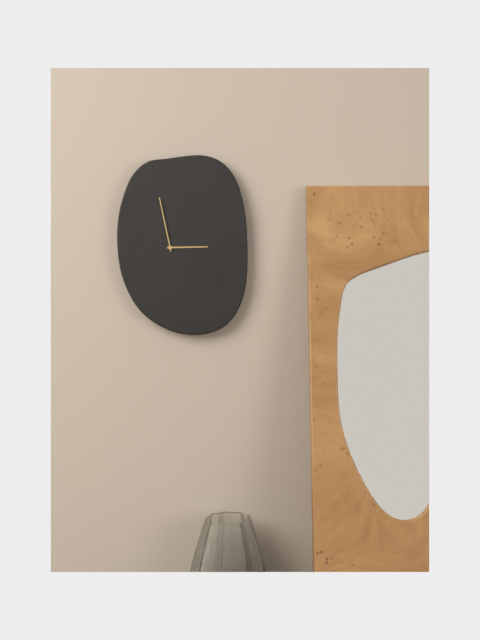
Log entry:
h=2 m=58
